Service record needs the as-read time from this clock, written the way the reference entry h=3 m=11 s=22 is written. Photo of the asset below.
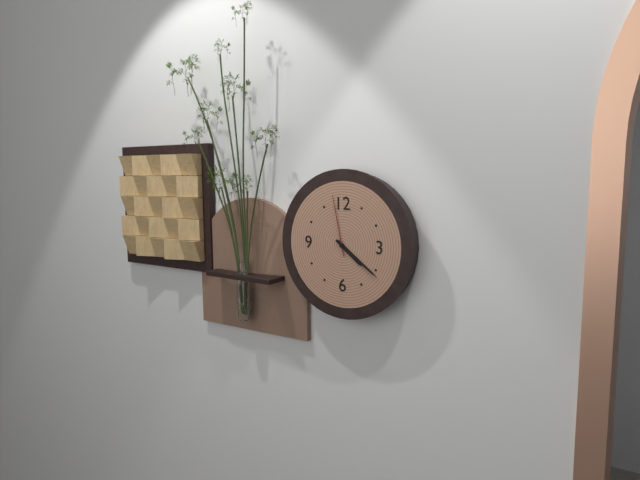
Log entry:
h=4 m=21 s=58
